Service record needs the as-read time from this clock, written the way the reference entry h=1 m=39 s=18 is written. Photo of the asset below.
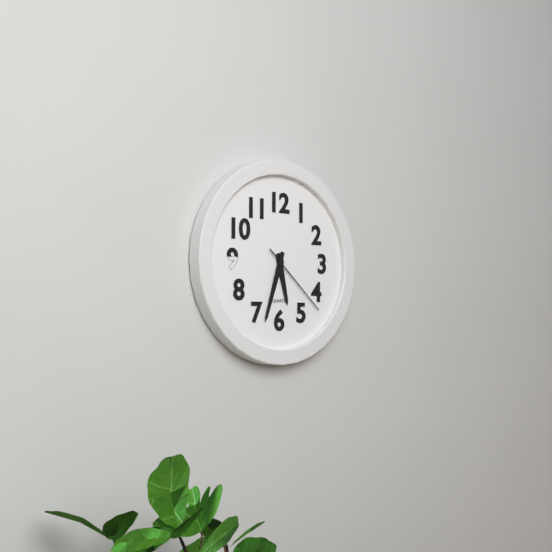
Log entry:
h=5 m=33 s=22
